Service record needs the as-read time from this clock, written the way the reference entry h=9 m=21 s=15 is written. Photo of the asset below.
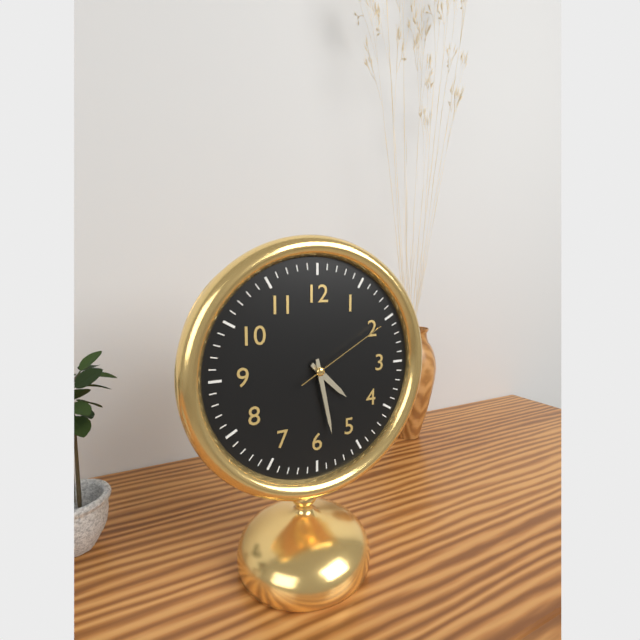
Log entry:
h=4 m=28 s=10
